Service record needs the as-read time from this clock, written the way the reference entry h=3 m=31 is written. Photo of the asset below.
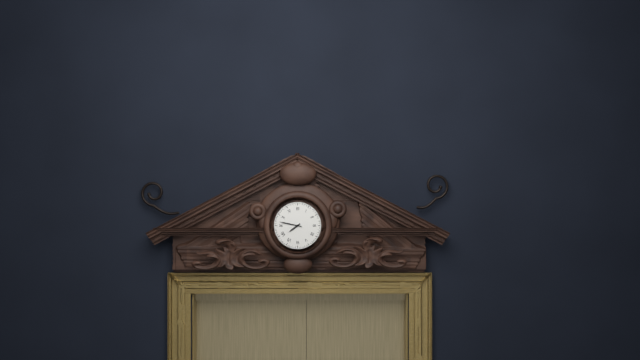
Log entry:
h=7 m=47
